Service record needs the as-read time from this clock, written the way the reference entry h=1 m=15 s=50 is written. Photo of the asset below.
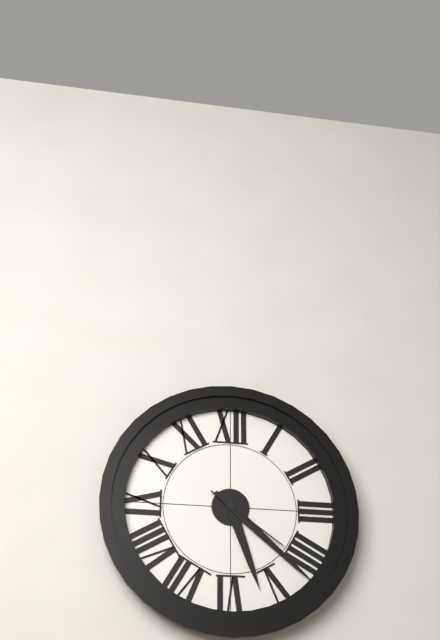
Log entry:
h=5 m=22 s=21
